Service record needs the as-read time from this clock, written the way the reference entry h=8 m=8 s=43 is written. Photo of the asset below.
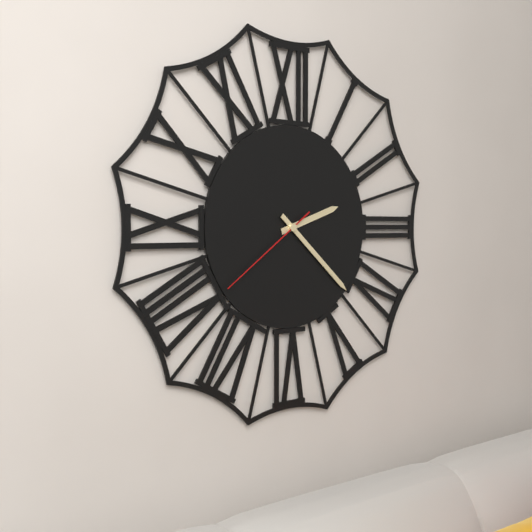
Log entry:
h=2 m=22 s=39
